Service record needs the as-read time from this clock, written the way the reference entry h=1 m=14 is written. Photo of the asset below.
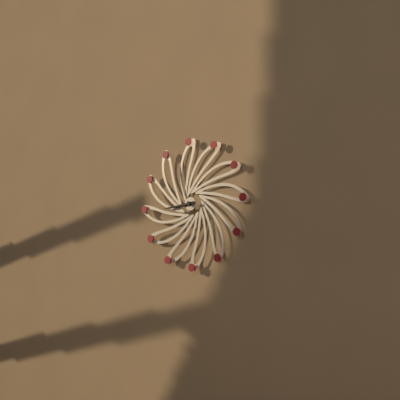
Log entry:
h=8 m=44
